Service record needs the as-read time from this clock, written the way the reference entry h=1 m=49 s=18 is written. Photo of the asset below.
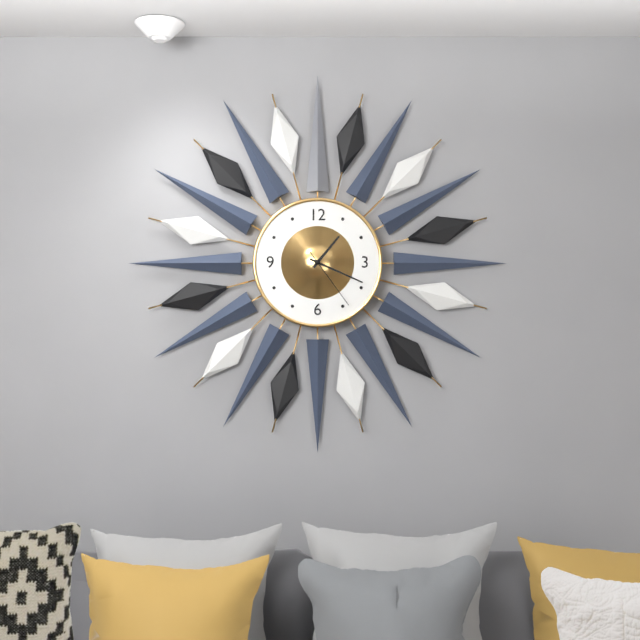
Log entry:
h=1 m=19 s=24
